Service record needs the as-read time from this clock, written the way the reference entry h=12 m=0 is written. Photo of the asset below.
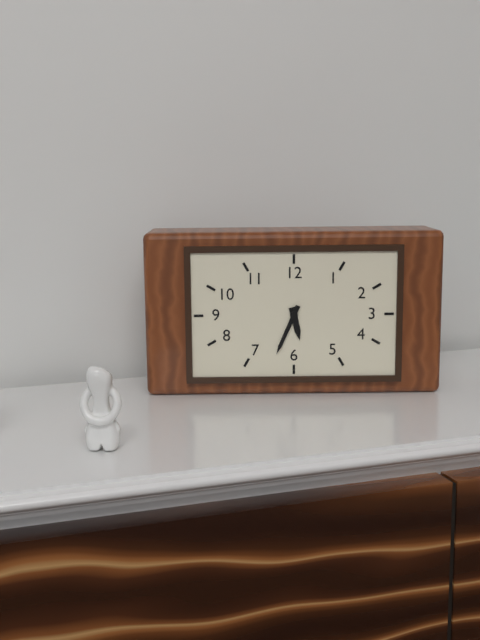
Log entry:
h=5 m=34
